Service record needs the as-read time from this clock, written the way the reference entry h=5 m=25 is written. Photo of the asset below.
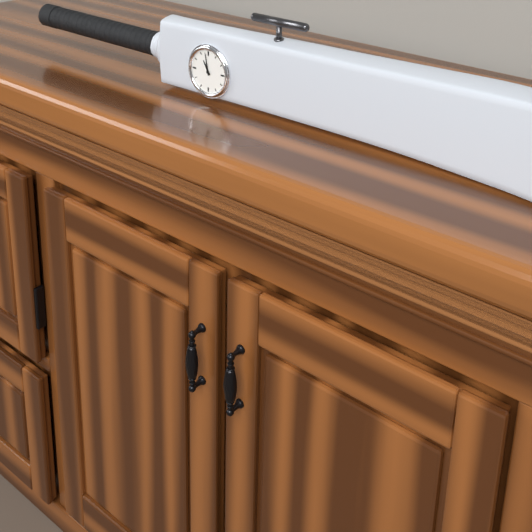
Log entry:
h=10 m=58
